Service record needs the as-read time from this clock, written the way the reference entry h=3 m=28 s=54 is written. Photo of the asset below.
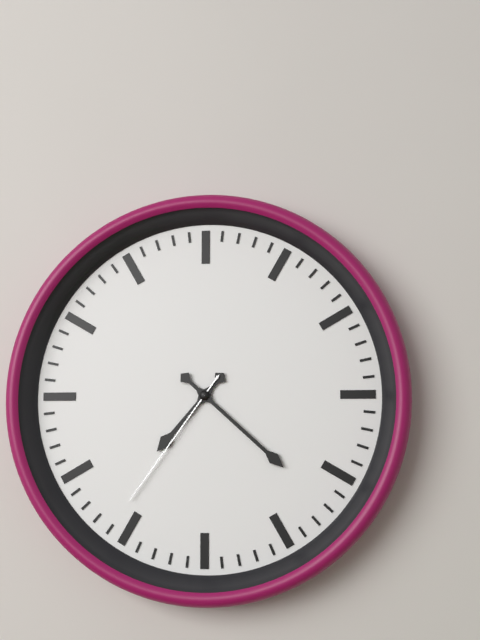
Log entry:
h=7 m=22 s=36
